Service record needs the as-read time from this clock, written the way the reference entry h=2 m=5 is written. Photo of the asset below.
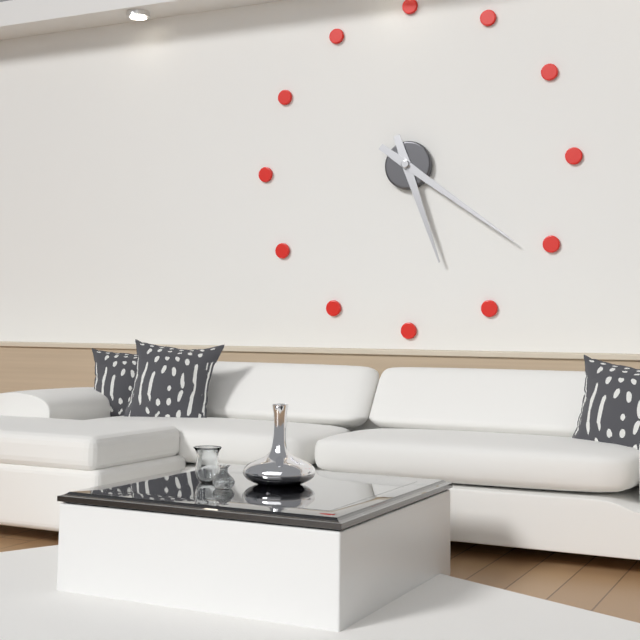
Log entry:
h=5 m=21
